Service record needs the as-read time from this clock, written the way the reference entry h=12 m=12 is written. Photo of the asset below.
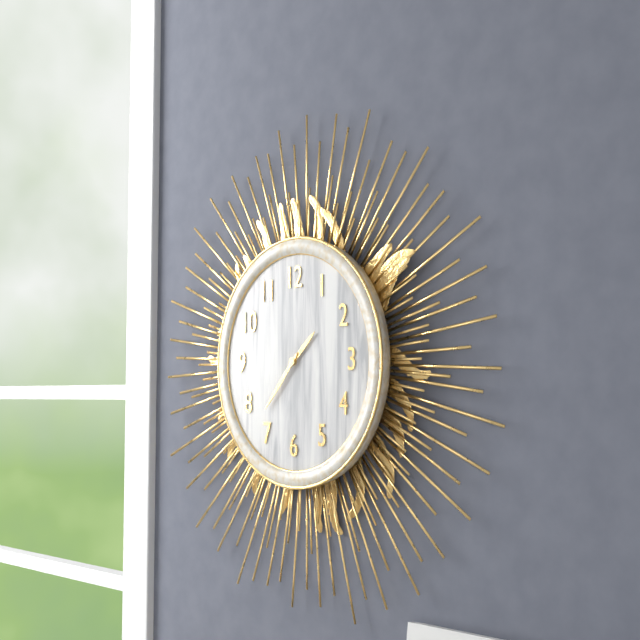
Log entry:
h=1 m=37
